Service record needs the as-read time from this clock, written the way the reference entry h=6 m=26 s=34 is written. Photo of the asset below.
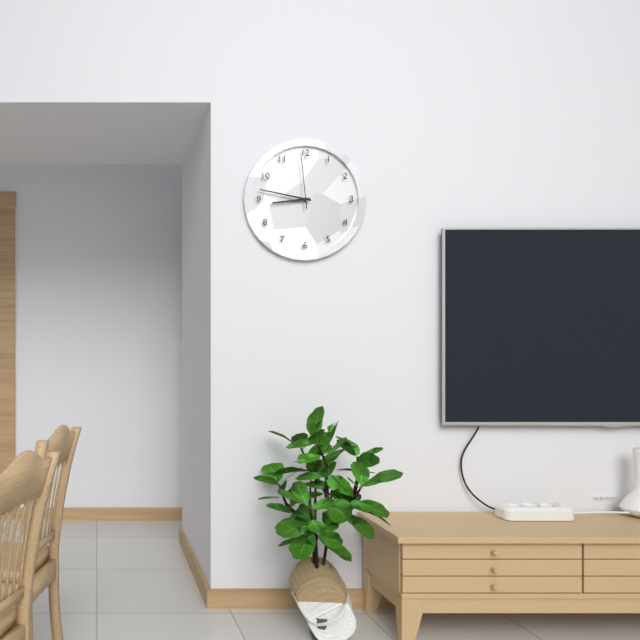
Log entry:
h=8 m=47 s=59
